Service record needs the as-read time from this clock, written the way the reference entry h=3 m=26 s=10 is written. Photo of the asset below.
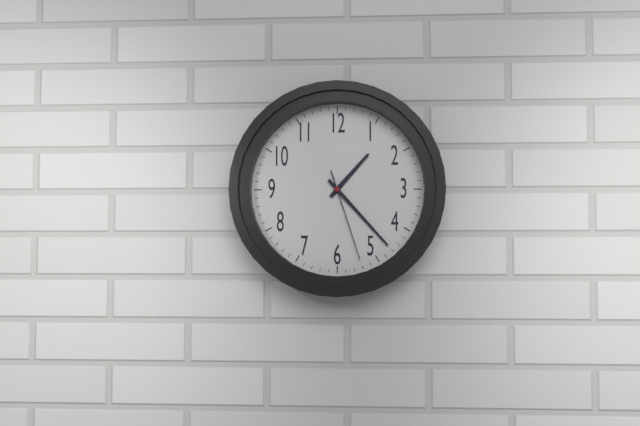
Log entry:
h=1 m=23 s=27
